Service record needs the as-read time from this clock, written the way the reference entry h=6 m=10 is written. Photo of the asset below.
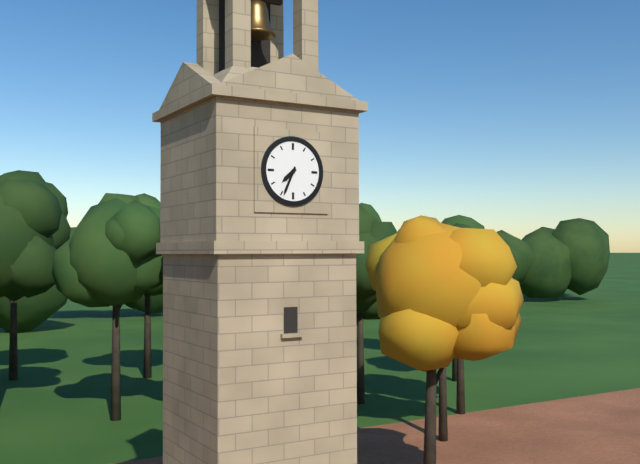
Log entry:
h=7 m=34
